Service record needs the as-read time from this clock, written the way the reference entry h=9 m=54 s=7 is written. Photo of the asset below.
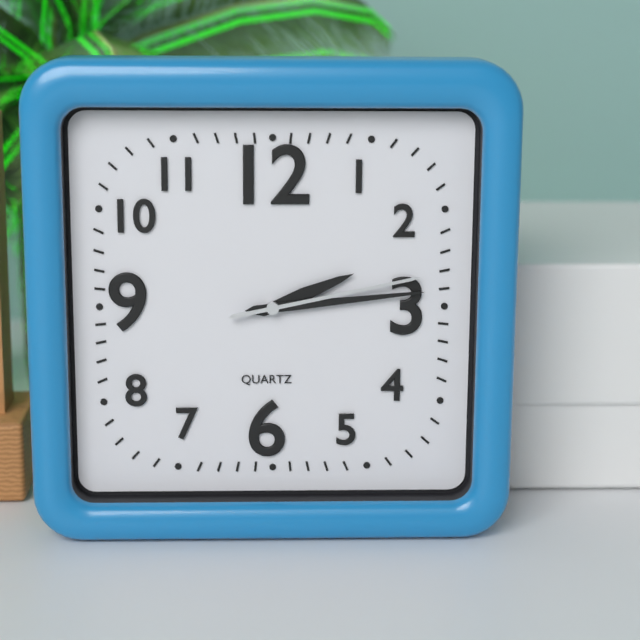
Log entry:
h=2 m=14 s=13
